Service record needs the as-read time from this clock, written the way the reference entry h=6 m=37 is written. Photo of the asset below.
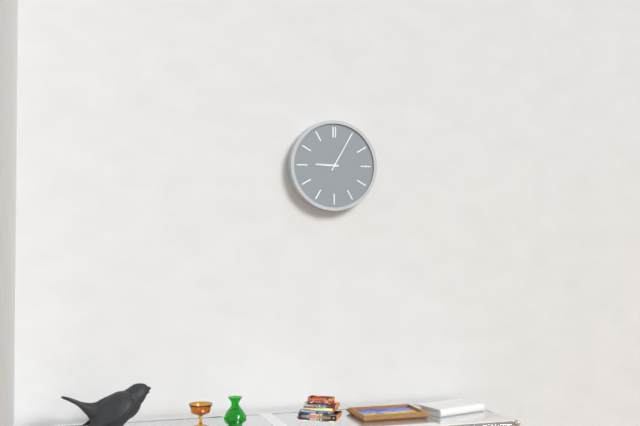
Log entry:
h=9 m=5
